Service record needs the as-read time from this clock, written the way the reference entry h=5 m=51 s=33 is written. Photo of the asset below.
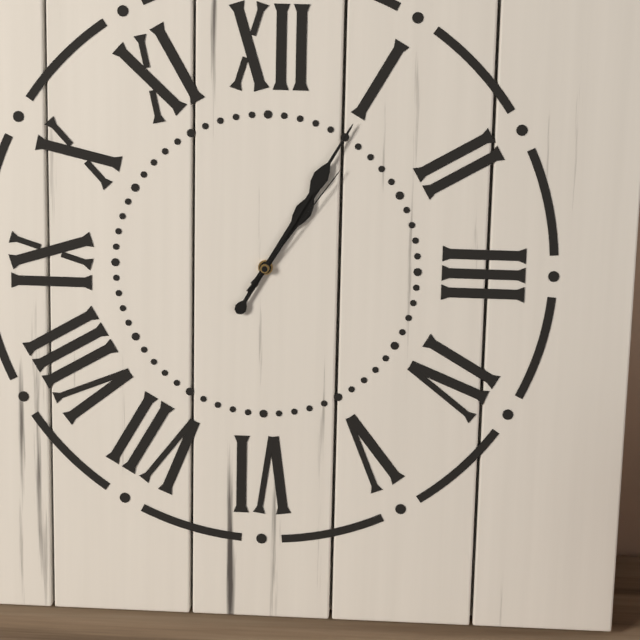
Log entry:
h=1 m=5 s=6
